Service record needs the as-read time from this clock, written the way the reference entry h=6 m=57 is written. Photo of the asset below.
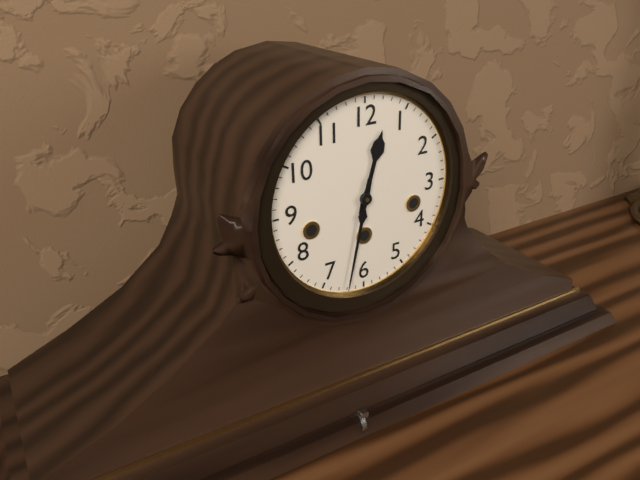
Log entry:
h=12 m=32
